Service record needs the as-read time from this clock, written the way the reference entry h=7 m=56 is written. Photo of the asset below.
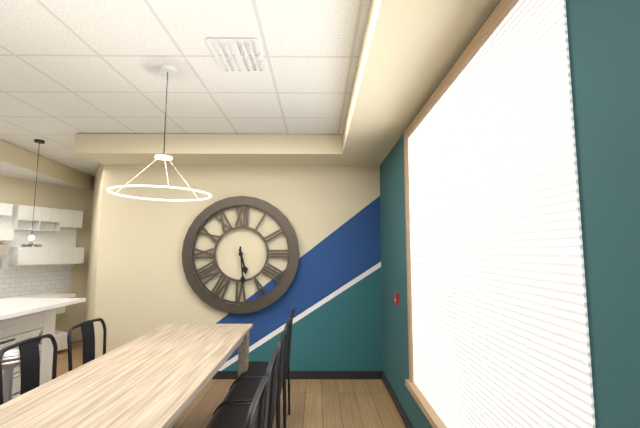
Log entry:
h=5 m=29
